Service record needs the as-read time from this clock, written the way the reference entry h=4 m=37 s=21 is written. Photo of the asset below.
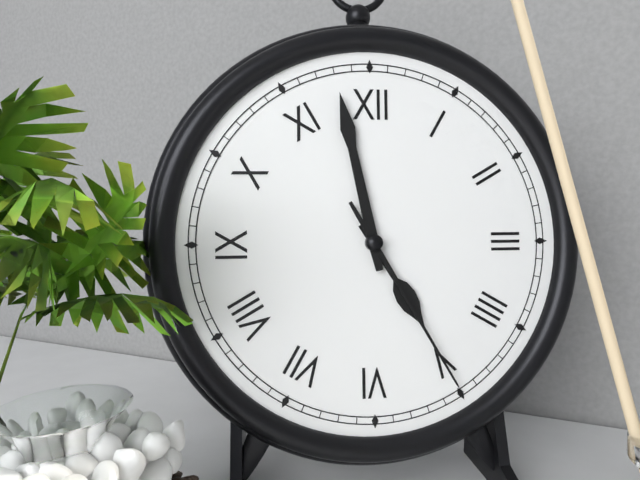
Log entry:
h=4 m=58 s=25
